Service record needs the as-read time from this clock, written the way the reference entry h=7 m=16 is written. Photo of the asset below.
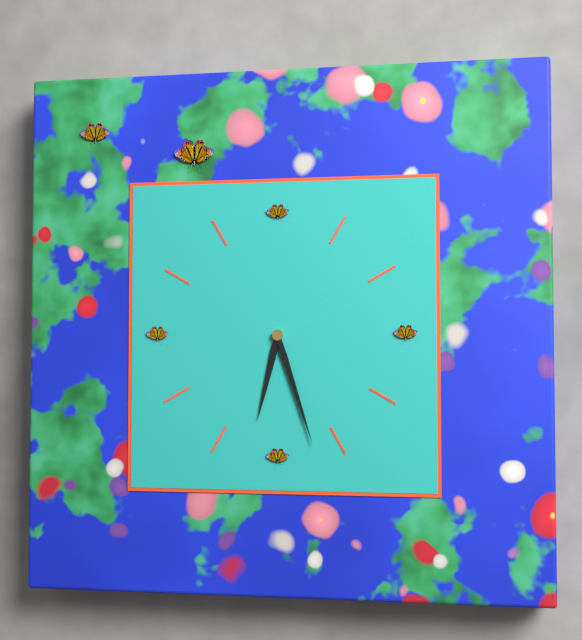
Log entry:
h=6 m=27
